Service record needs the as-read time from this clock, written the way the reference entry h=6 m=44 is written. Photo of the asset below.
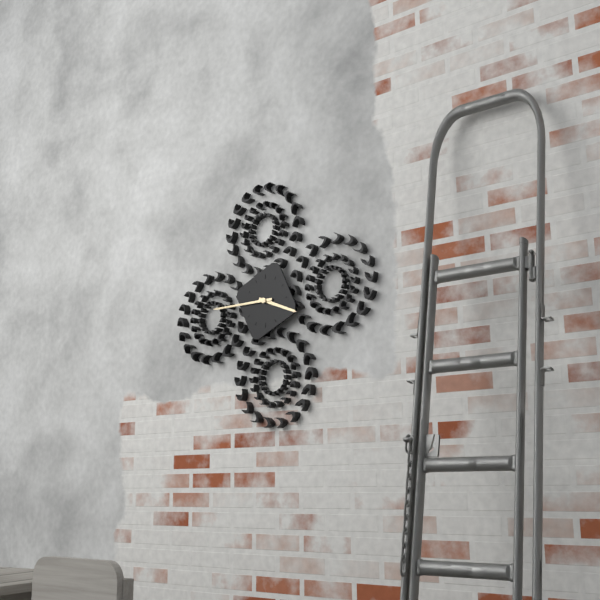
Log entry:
h=3 m=45
